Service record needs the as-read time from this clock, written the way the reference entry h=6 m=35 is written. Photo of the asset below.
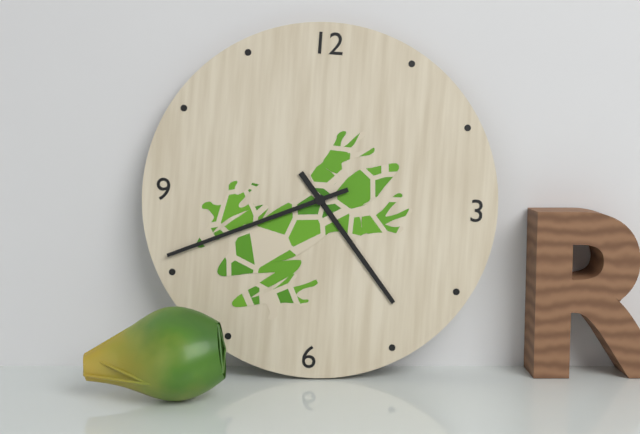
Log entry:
h=4 m=41
